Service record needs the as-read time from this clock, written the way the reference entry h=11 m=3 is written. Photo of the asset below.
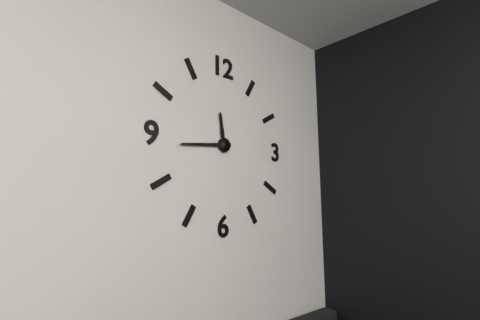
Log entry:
h=11 m=44
